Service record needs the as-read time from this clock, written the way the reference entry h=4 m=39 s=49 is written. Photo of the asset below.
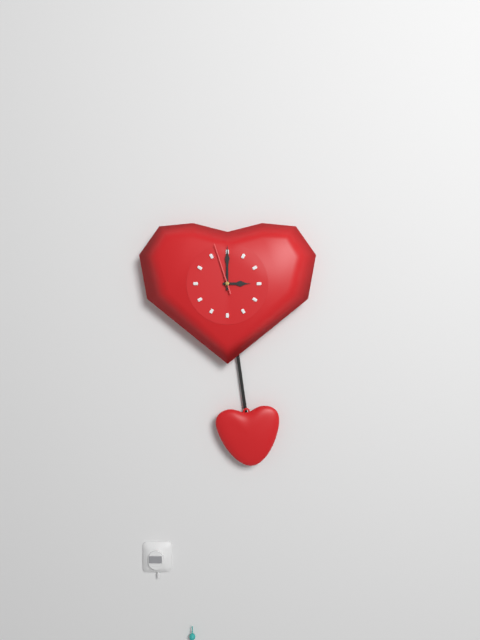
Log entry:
h=3 m=0 s=57
